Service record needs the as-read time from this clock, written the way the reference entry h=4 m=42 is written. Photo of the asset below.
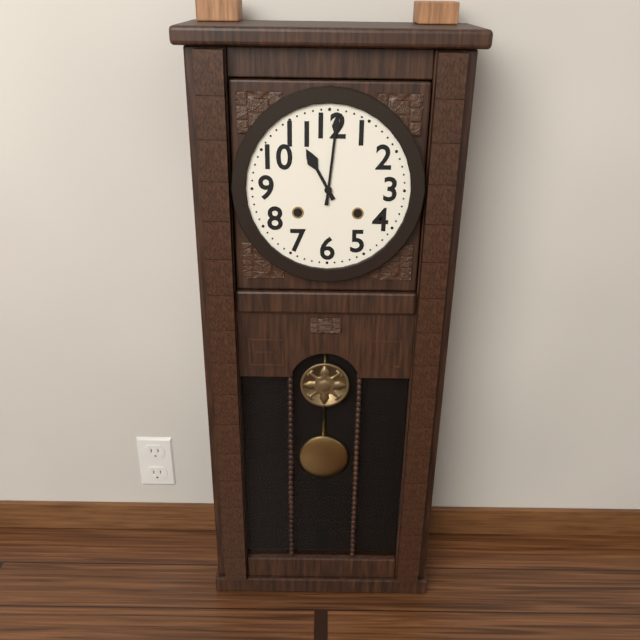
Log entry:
h=11 m=1
